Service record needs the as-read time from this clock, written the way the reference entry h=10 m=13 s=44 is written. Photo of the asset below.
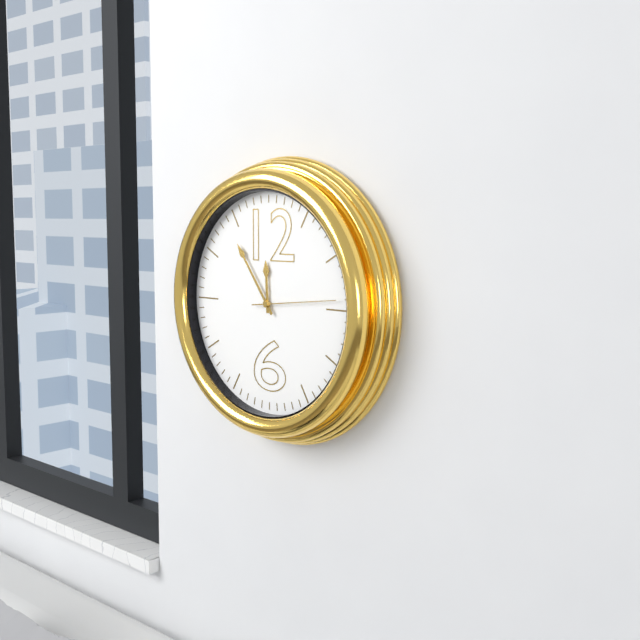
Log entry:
h=11 m=54 s=14
